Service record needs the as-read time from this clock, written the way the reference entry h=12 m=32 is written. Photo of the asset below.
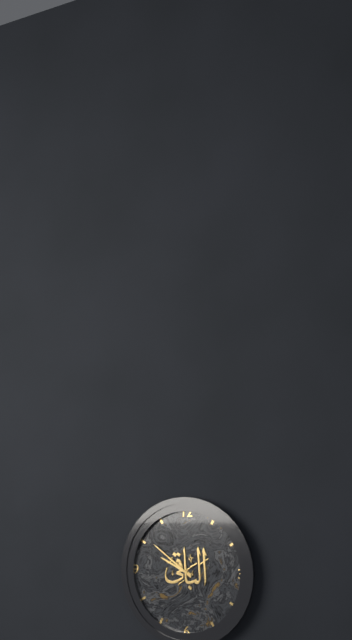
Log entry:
h=9 m=51
